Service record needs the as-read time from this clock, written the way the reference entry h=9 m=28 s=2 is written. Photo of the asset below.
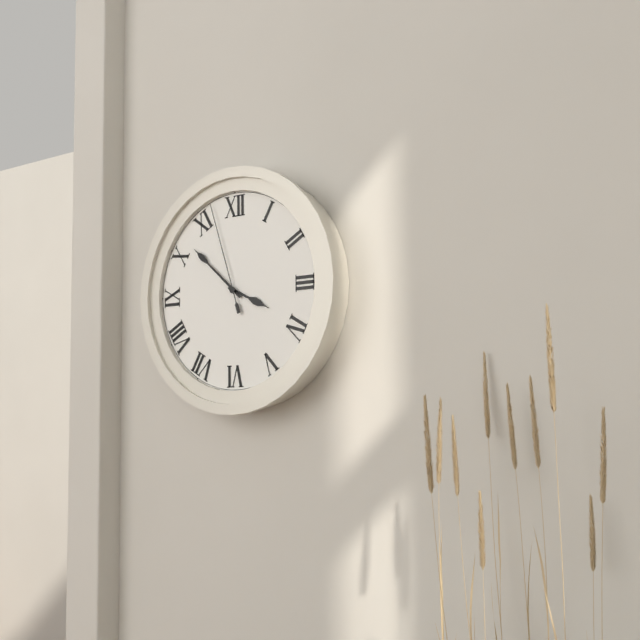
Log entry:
h=3 m=52 s=57
